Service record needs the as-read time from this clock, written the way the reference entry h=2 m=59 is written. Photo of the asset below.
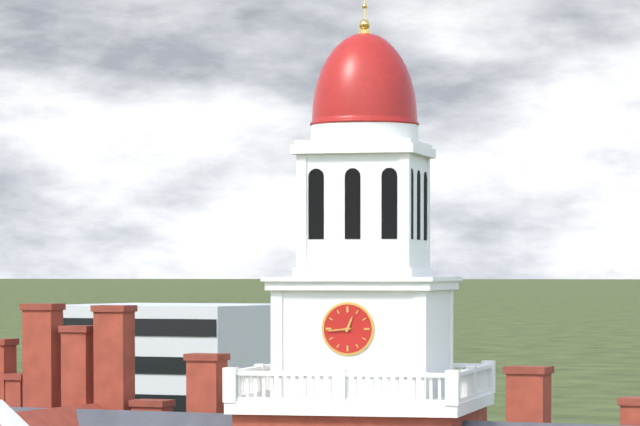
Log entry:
h=12 m=44
